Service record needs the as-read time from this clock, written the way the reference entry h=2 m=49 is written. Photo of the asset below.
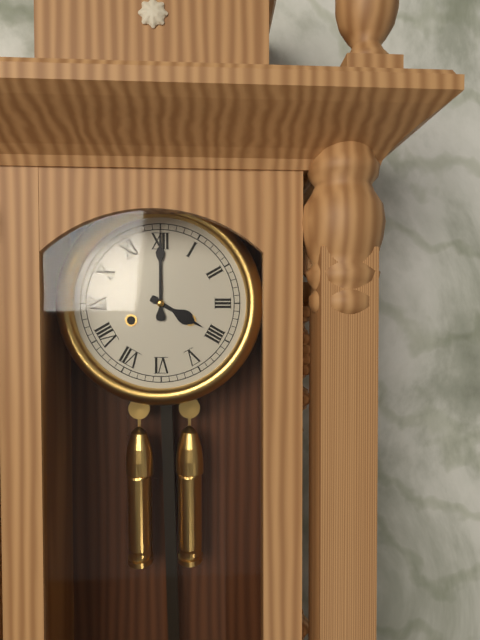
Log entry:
h=4 m=0
